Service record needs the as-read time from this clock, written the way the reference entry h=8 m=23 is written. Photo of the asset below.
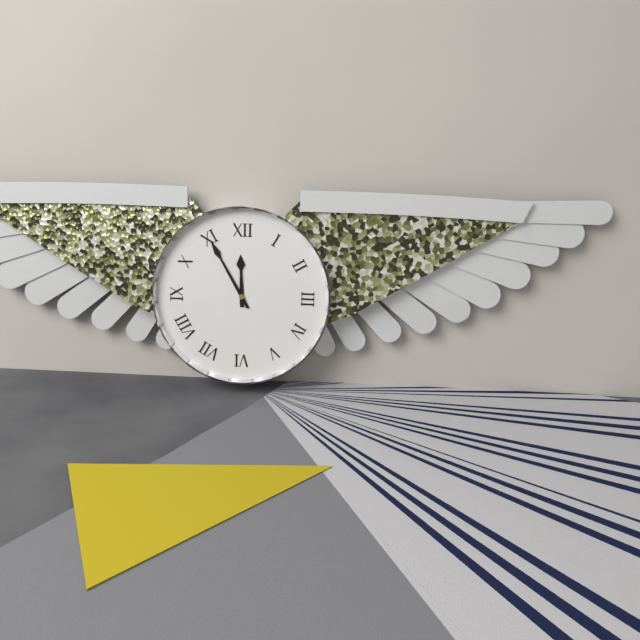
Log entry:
h=11 m=55
